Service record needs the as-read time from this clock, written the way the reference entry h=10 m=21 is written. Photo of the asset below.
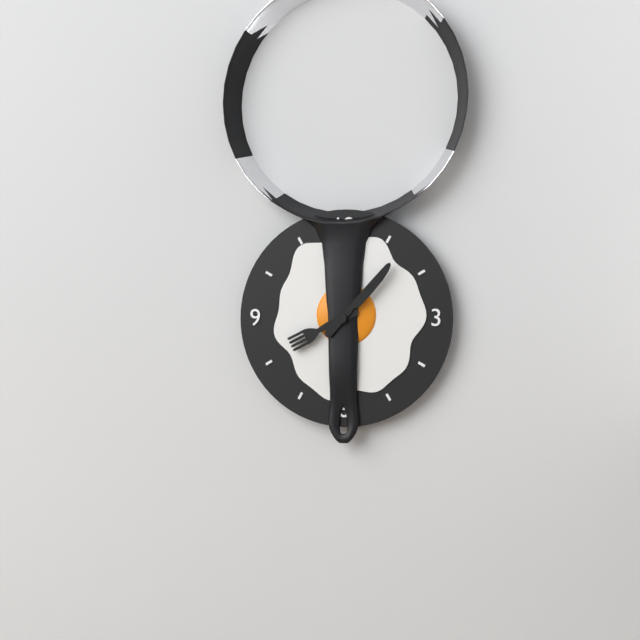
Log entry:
h=8 m=7
